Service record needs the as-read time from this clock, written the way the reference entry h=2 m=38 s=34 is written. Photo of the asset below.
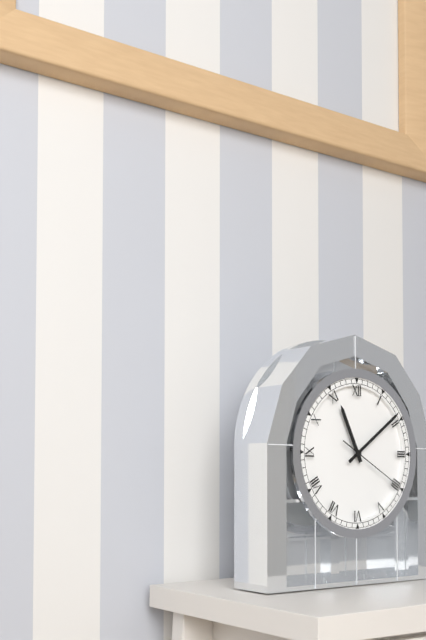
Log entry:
h=11 m=9 s=20
